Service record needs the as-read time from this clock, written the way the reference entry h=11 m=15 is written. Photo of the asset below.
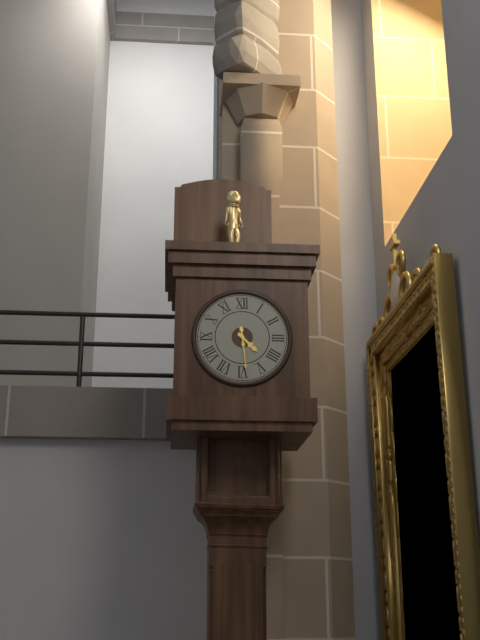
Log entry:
h=4 m=29
